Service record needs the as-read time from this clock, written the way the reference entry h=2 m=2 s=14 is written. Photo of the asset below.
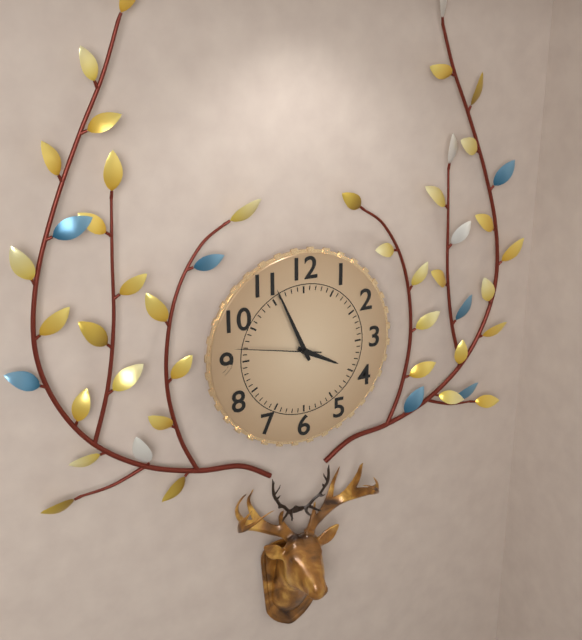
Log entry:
h=3 m=56 s=47
